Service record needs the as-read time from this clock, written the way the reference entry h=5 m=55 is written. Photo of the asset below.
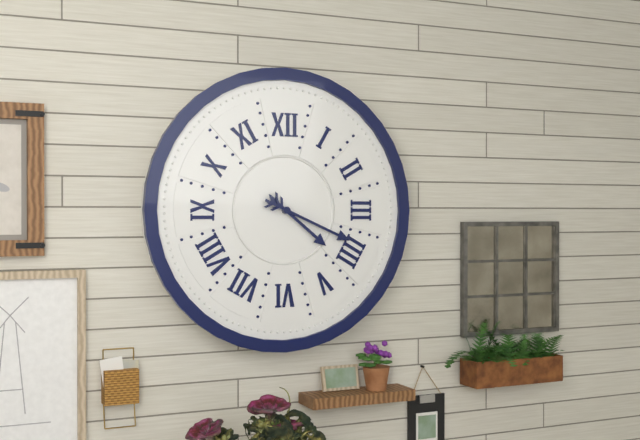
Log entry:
h=4 m=19
